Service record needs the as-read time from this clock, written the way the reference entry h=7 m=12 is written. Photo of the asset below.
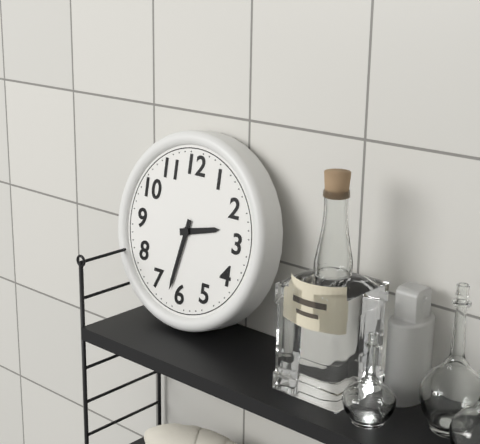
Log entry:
h=2 m=32
